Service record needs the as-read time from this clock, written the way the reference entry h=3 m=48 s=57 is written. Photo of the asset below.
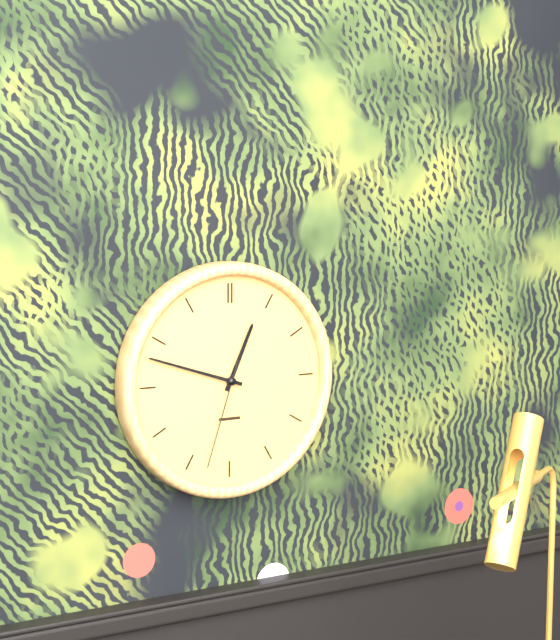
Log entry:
h=12 m=48 s=33
